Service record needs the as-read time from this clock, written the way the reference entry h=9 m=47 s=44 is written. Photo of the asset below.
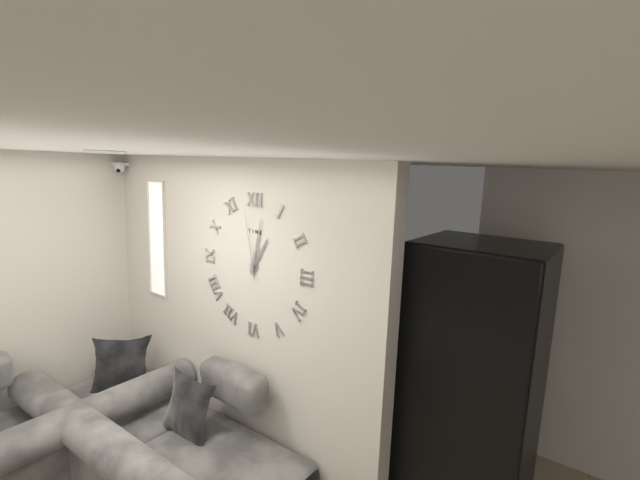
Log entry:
h=1 m=2 s=58
